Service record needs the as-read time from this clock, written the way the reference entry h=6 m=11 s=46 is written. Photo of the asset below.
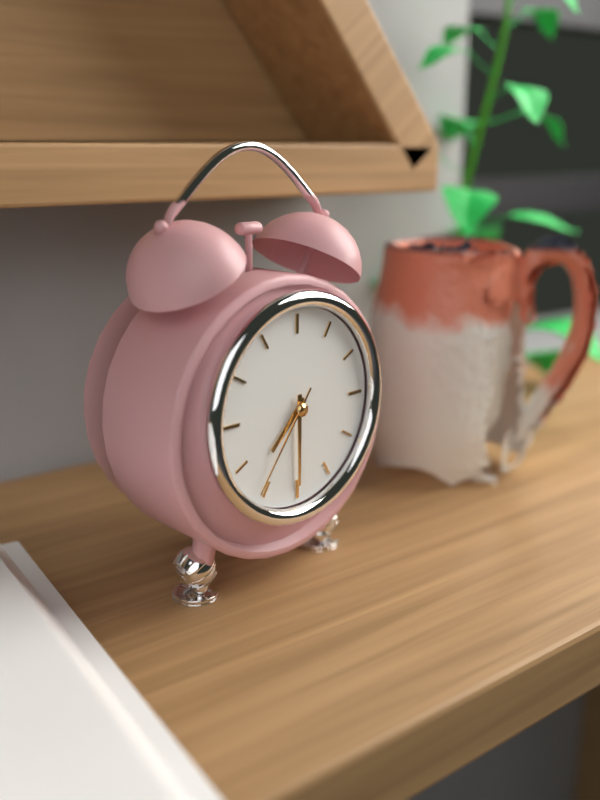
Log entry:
h=7 m=30 s=36
